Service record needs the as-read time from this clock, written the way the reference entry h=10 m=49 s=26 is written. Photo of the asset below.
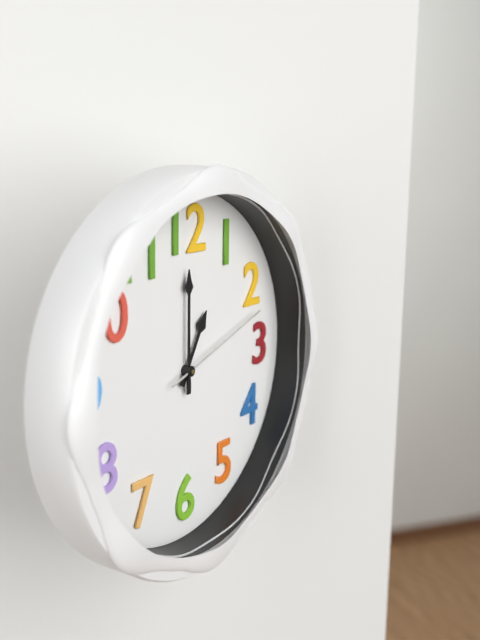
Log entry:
h=1 m=0 s=12
